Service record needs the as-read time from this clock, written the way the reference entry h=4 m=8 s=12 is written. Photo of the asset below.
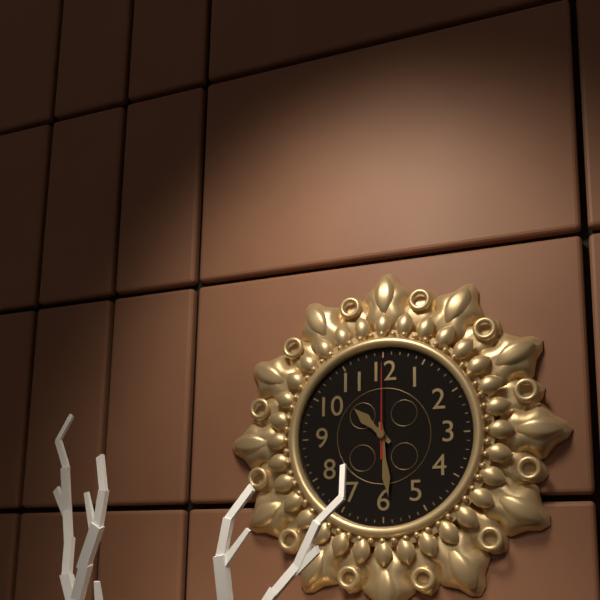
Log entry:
h=10 m=29 s=0
